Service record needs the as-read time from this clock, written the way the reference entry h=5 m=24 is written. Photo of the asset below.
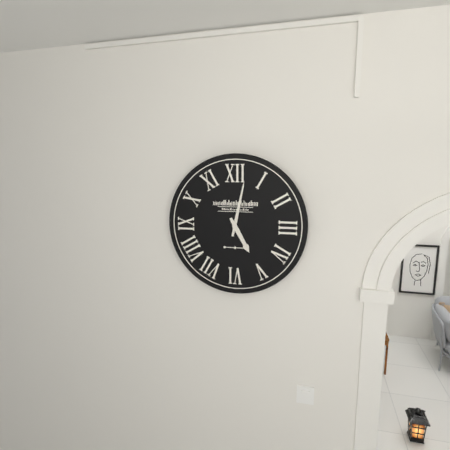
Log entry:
h=5 m=2
